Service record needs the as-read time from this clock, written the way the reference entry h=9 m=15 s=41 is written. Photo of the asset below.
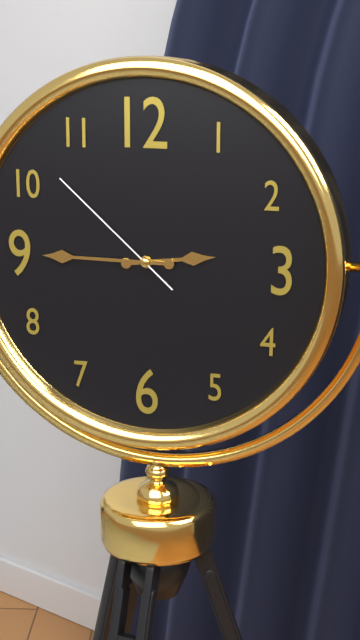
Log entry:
h=2 m=45 s=52
